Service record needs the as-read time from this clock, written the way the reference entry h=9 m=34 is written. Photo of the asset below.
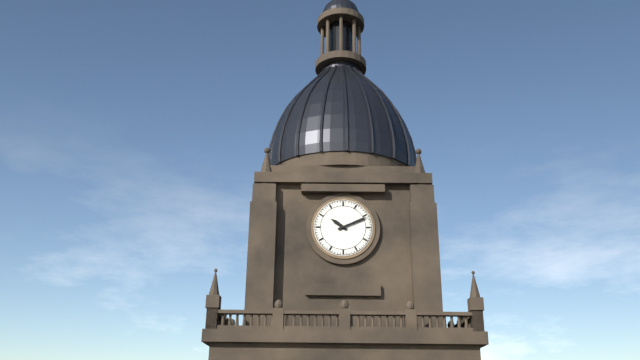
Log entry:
h=10 m=11
